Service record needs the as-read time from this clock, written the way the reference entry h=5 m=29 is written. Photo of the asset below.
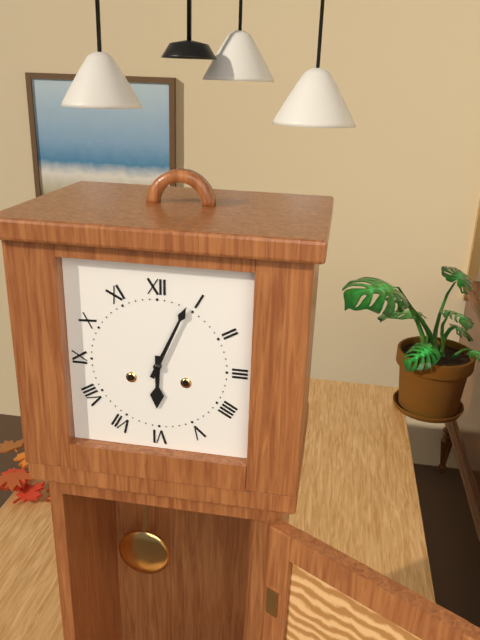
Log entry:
h=6 m=4
